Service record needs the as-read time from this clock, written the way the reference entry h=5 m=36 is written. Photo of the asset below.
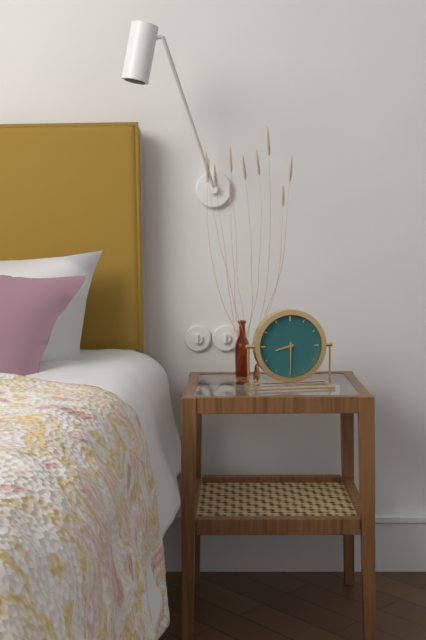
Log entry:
h=8 m=30
